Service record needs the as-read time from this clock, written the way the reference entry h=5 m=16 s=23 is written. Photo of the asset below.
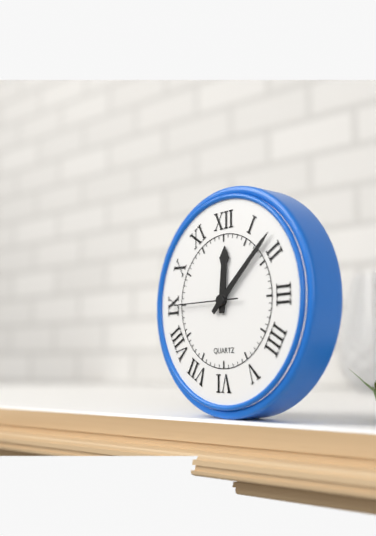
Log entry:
h=12 m=8 s=45
